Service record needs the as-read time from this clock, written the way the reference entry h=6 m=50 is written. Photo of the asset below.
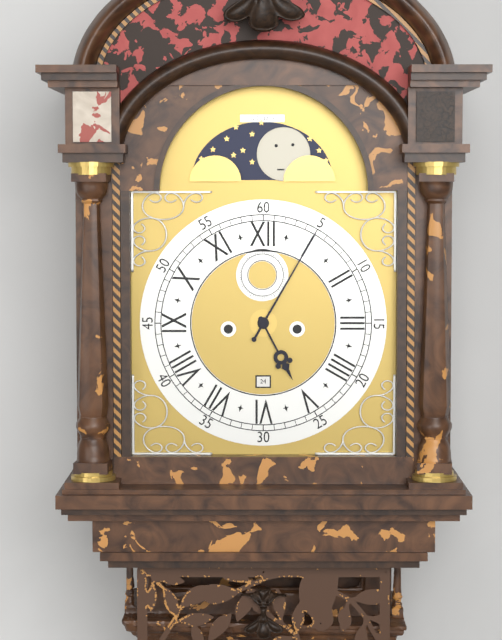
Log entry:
h=5 m=5
